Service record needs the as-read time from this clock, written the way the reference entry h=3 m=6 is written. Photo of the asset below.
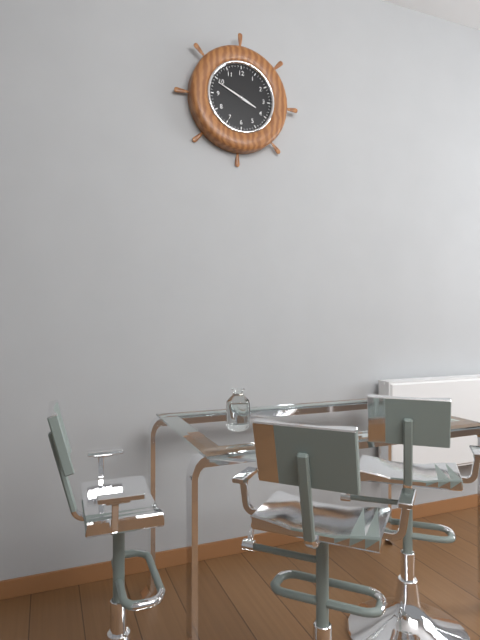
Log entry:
h=3 m=49
